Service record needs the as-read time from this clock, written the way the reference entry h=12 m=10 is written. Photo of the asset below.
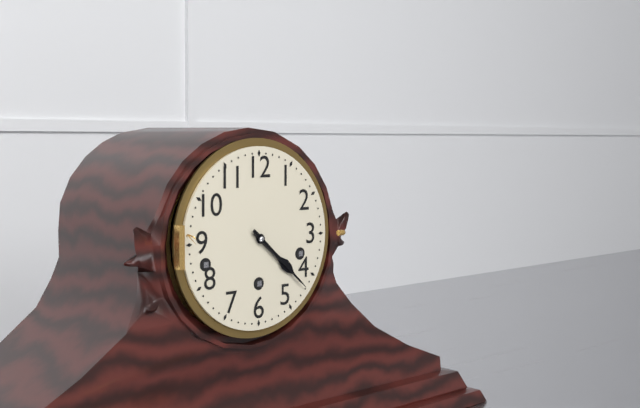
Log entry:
h=4 m=22
